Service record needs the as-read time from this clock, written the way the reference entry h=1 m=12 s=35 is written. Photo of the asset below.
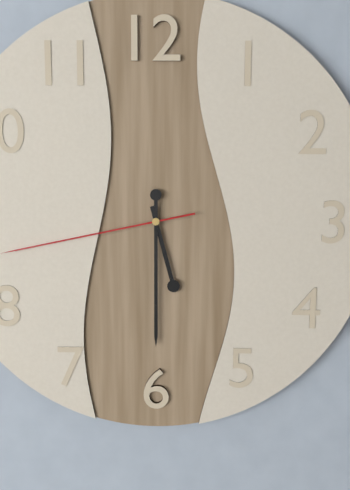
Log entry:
h=5 m=30 s=43
